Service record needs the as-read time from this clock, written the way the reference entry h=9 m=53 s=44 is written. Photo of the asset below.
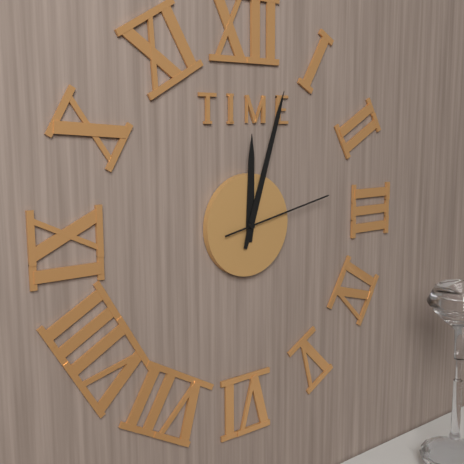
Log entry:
h=12 m=3 s=13
